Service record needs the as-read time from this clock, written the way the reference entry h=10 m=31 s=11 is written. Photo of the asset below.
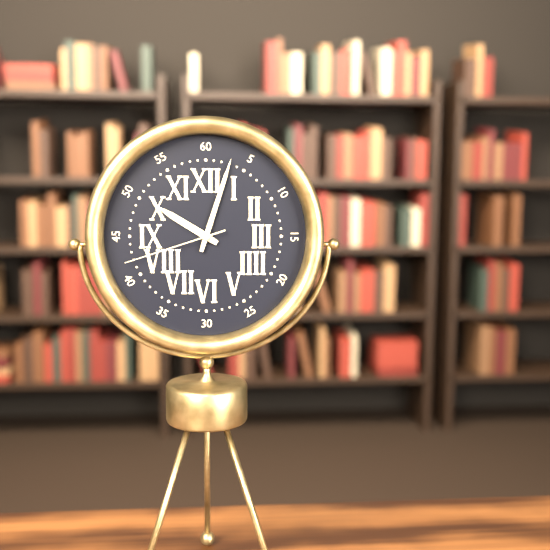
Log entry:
h=10 m=3 s=42
